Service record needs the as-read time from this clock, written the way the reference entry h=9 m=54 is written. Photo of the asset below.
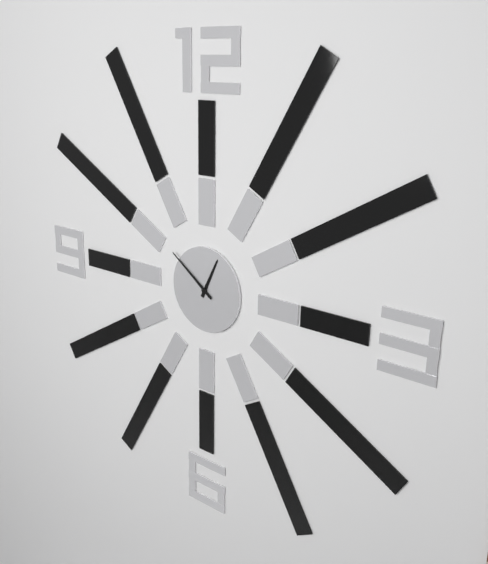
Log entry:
h=12 m=51
